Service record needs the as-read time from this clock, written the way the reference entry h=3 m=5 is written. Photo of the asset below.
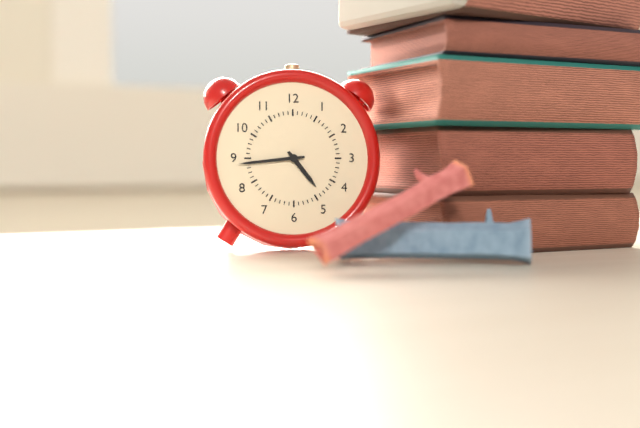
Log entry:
h=4 m=44
